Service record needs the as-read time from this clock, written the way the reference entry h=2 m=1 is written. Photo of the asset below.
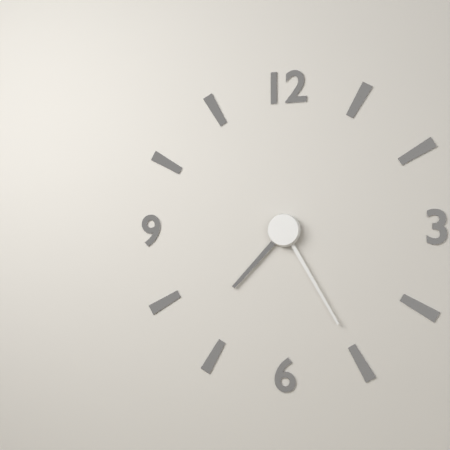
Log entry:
h=7 m=25
